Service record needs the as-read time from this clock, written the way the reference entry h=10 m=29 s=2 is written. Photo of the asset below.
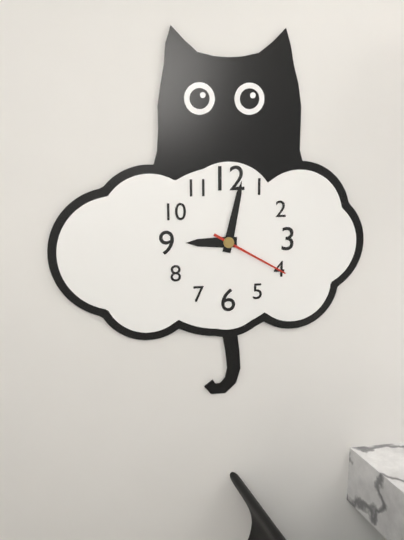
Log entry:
h=9 m=2 s=20
